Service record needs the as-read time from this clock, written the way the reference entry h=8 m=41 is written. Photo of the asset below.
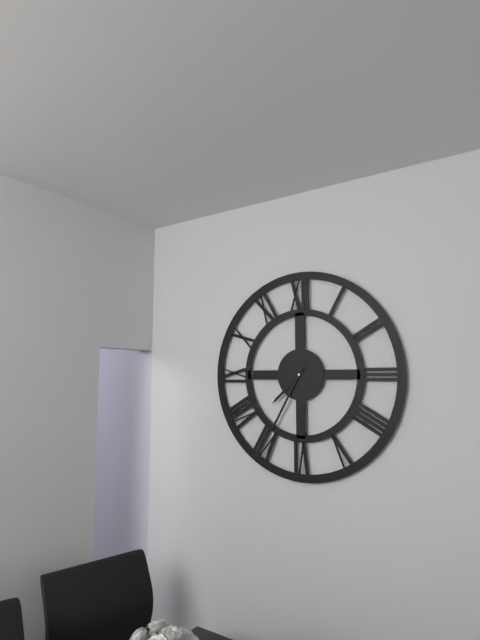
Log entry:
h=7 m=35
